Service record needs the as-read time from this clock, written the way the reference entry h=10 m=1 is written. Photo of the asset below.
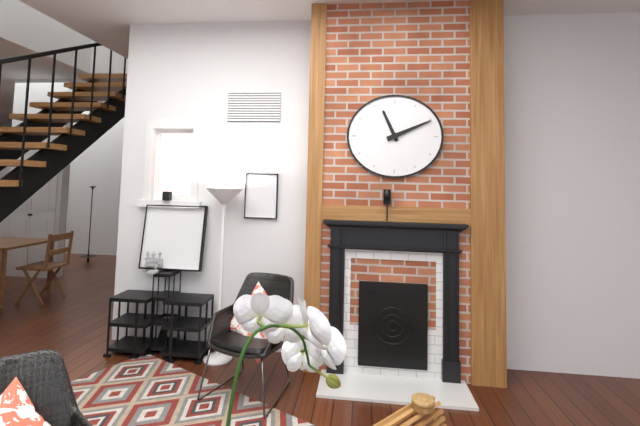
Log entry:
h=11 m=11
